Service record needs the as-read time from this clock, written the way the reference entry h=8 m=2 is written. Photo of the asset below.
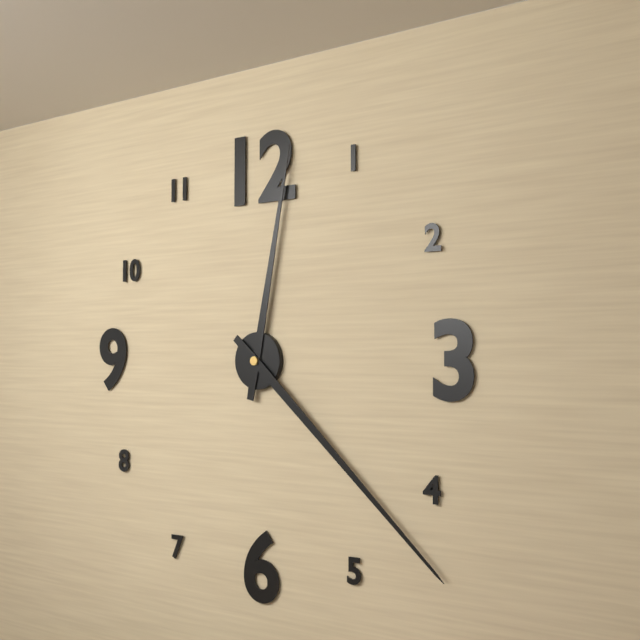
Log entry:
h=12 m=22
